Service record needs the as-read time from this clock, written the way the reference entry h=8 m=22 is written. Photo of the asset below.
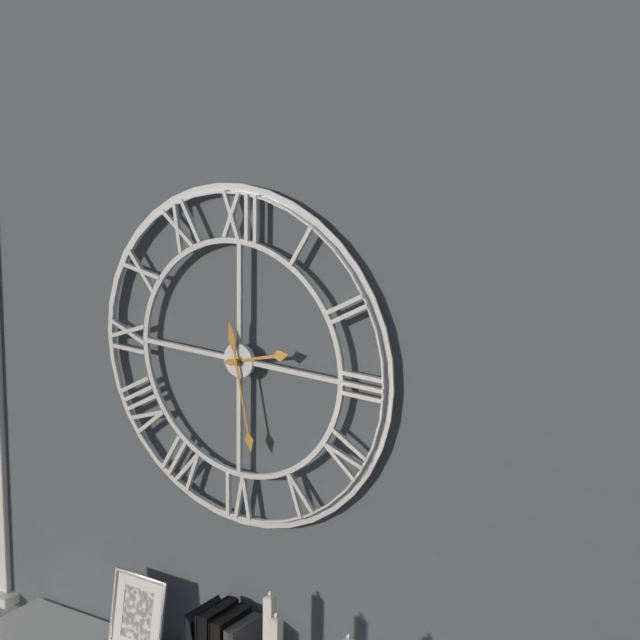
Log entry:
h=2 m=28
